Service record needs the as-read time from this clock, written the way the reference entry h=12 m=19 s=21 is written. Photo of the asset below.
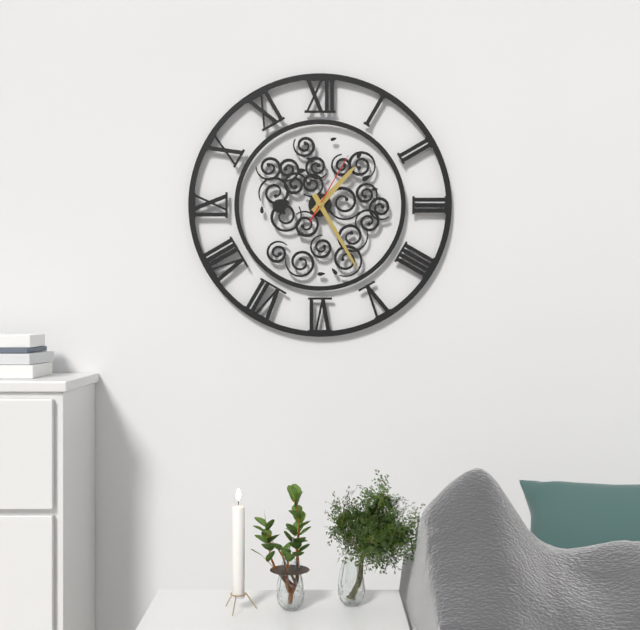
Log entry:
h=1 m=25 s=5
